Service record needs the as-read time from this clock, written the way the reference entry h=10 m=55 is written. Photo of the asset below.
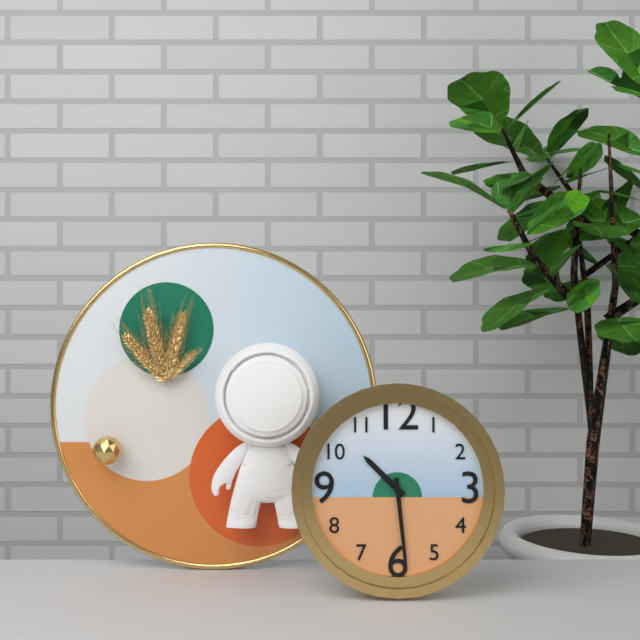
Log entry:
h=10 m=29
